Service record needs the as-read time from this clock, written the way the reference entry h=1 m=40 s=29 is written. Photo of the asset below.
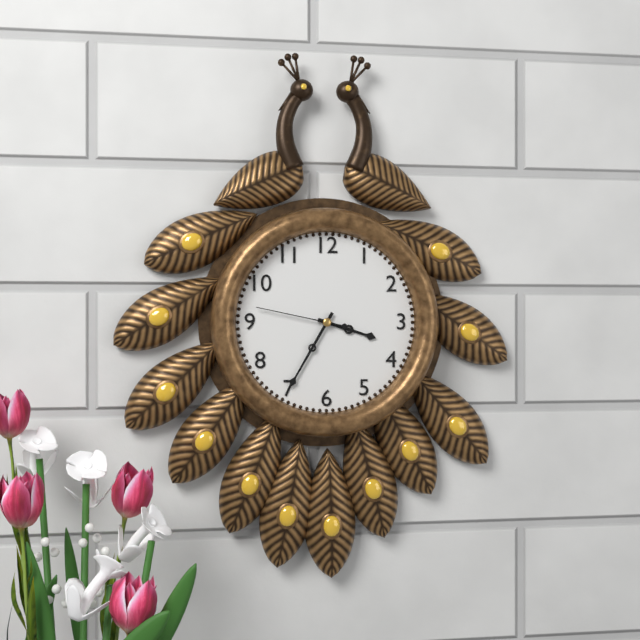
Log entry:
h=3 m=35 s=47
